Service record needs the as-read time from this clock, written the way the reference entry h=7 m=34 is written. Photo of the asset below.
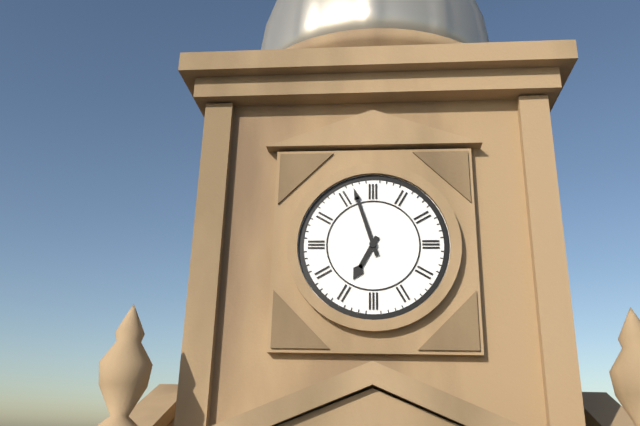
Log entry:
h=6 m=57
